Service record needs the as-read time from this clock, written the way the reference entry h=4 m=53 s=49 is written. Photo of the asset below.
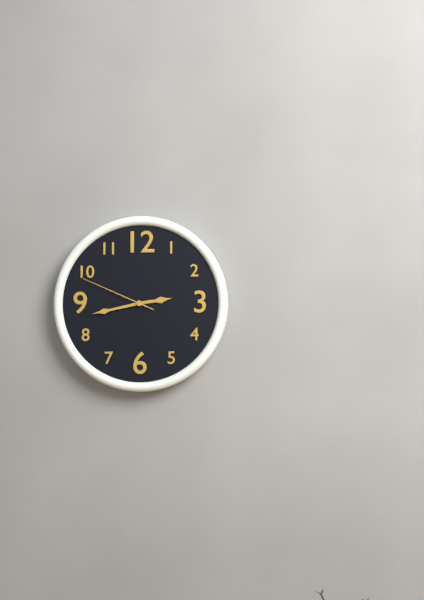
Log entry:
h=2 m=43 s=49
